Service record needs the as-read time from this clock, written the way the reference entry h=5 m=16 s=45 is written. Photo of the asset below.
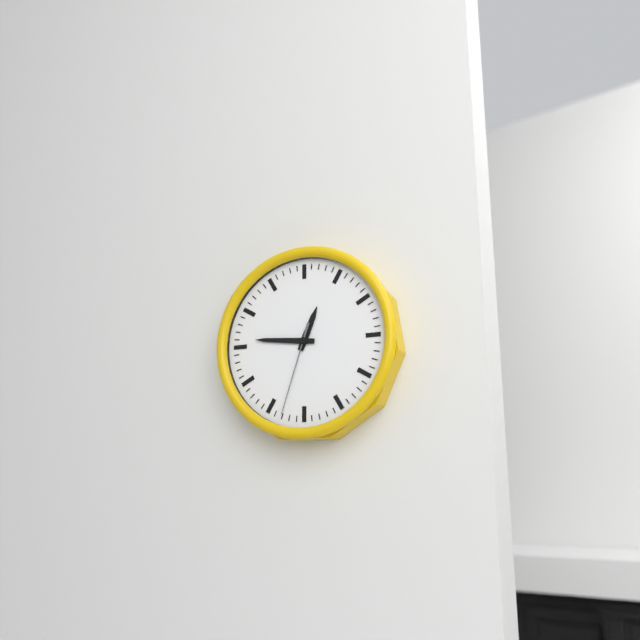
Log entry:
h=12 m=46 s=33
